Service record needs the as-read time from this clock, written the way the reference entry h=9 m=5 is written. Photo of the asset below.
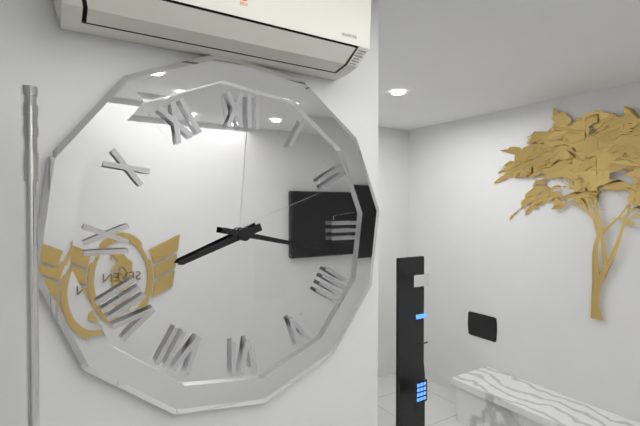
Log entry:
h=8 m=17
